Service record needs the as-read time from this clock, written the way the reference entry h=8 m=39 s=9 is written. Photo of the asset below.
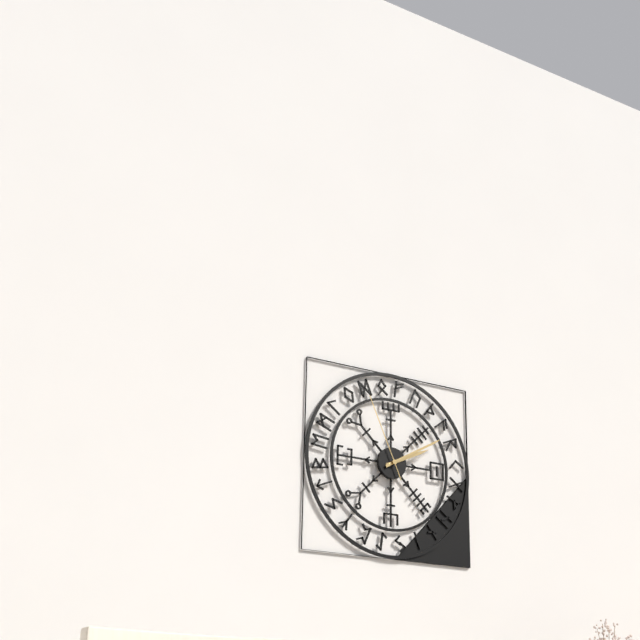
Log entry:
h=2 m=10 s=56
